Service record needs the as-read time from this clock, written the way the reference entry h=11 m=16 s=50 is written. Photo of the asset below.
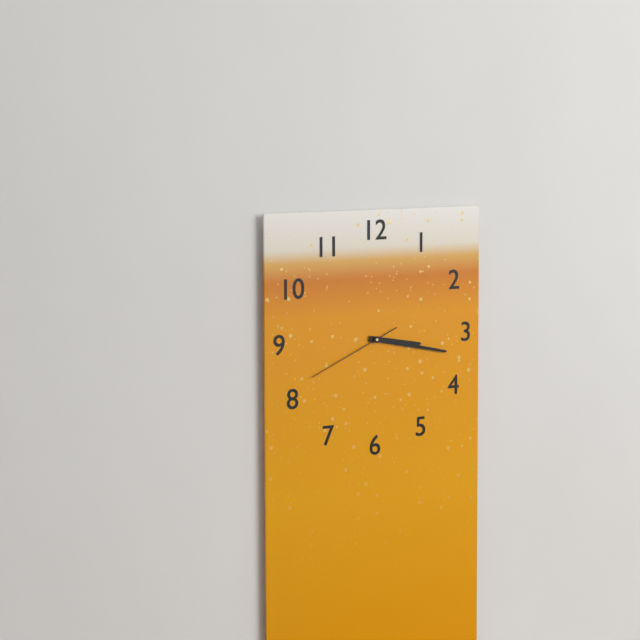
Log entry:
h=3 m=17 s=41
